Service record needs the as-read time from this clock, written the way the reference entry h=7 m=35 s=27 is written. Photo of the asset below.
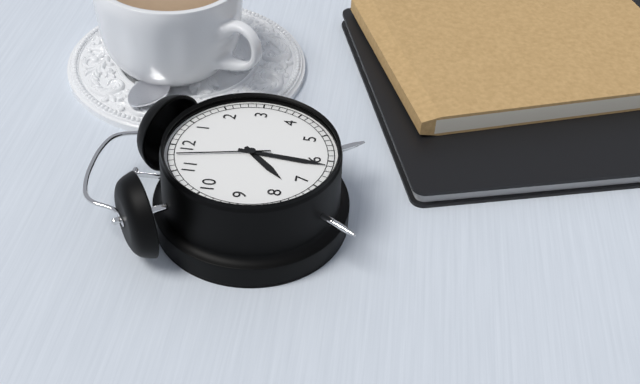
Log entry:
h=7 m=31 s=58
